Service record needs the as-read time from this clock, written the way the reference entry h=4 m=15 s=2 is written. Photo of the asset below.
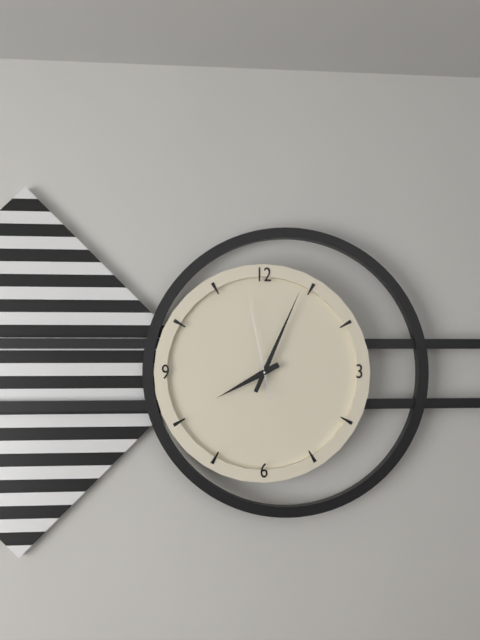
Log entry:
h=8 m=4 s=58
